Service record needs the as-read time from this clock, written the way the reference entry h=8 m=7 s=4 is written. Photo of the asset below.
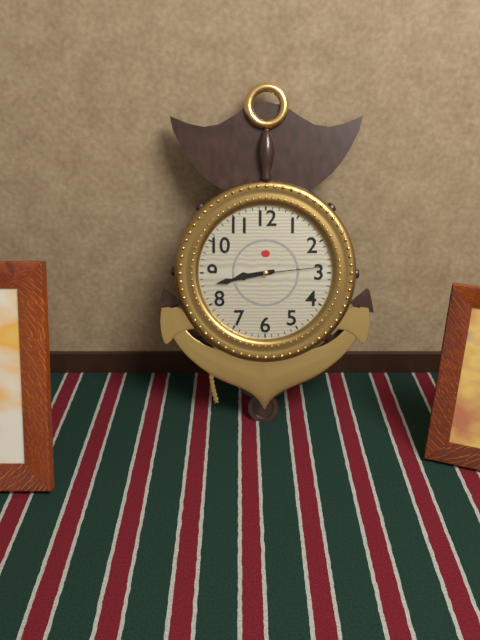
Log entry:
h=8 m=43 s=14
